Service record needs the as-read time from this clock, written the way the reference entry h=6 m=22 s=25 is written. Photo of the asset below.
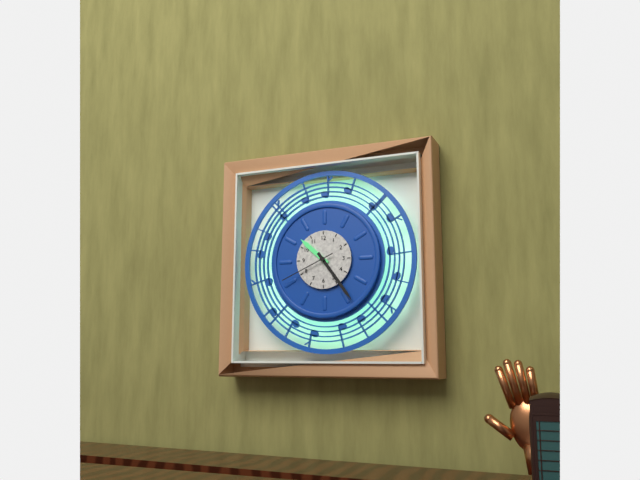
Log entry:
h=10 m=24 s=41
